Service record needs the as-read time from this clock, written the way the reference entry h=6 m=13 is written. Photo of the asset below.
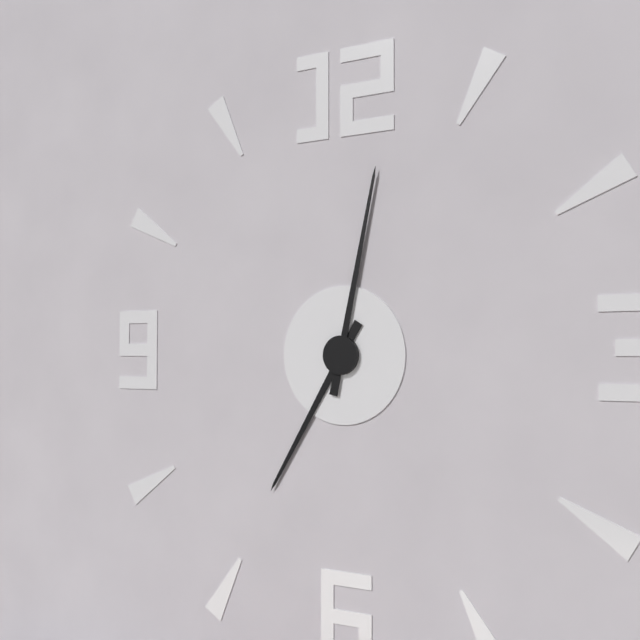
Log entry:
h=7 m=2
